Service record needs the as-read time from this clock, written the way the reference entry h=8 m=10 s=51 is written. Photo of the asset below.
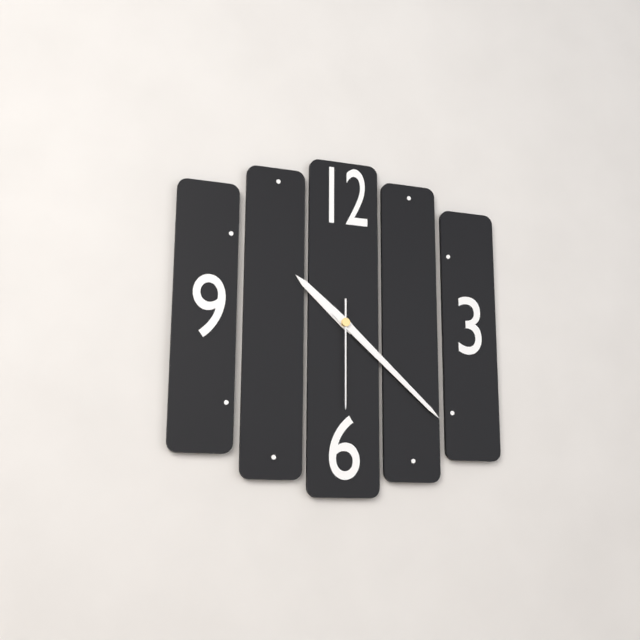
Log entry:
h=10 m=22 s=30
